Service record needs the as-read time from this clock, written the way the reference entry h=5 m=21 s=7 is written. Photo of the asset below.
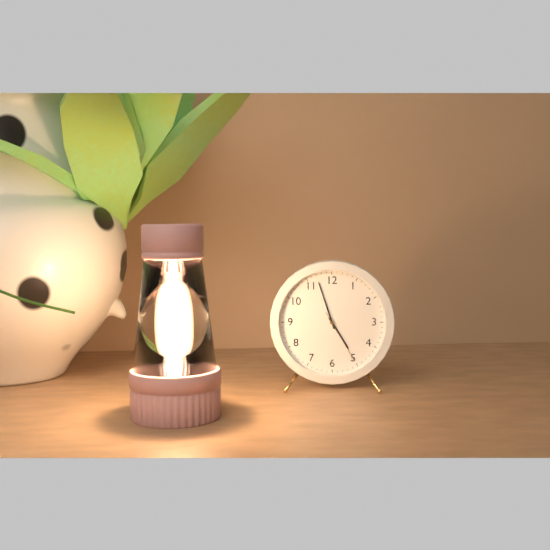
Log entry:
h=4 m=57 s=25
